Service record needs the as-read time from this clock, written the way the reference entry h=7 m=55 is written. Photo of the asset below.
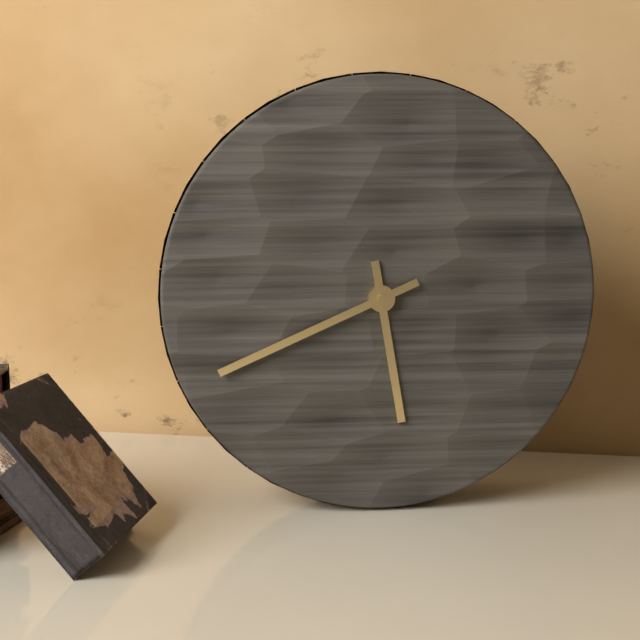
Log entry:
h=5 m=41
